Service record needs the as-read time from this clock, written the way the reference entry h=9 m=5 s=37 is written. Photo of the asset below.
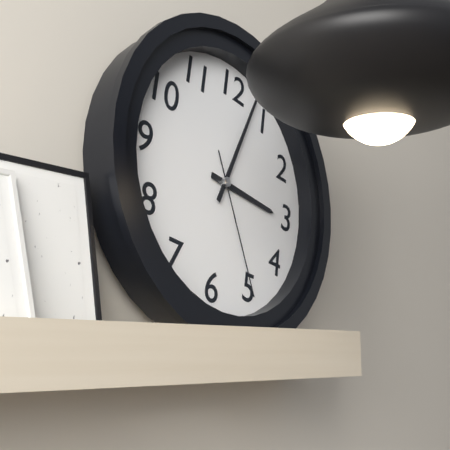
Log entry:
h=3 m=3 s=25
